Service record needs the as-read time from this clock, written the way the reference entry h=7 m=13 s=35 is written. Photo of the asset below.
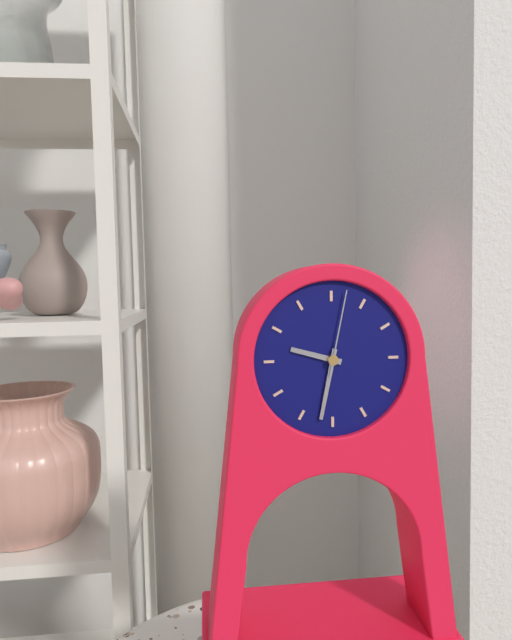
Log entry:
h=9 m=32 s=2
